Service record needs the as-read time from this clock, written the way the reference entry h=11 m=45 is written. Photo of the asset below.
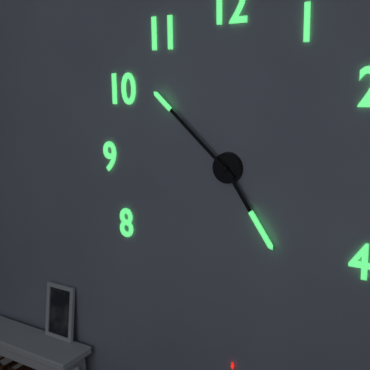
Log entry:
h=4 m=52
